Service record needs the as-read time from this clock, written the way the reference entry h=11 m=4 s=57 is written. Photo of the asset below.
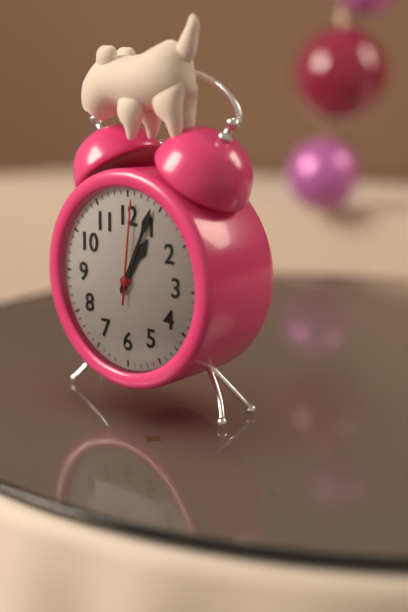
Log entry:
h=1 m=4 s=1
